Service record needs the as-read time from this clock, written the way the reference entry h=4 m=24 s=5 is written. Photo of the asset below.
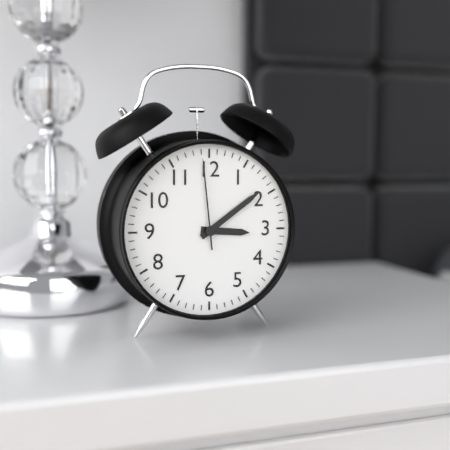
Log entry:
h=3 m=9 s=59
